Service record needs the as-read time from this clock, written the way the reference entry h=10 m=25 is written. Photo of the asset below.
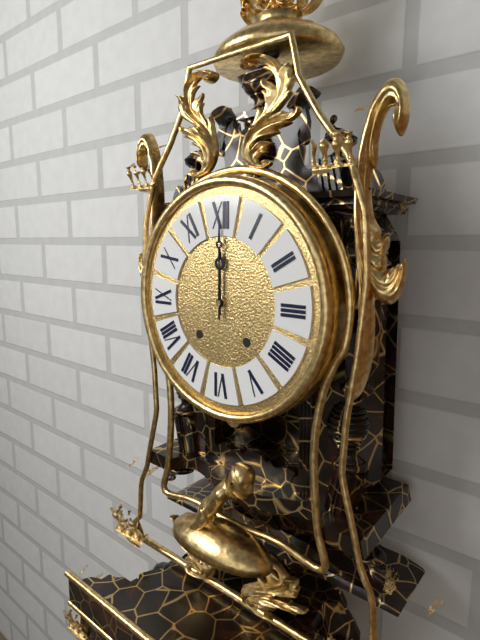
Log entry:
h=12 m=0
